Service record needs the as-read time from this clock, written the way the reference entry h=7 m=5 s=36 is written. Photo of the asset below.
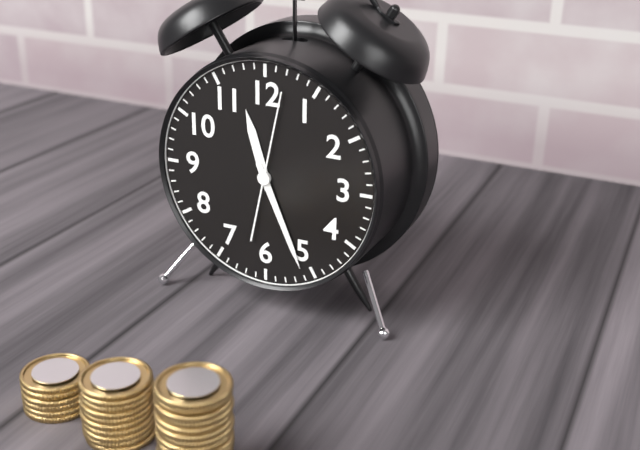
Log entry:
h=11 m=26 s=2
